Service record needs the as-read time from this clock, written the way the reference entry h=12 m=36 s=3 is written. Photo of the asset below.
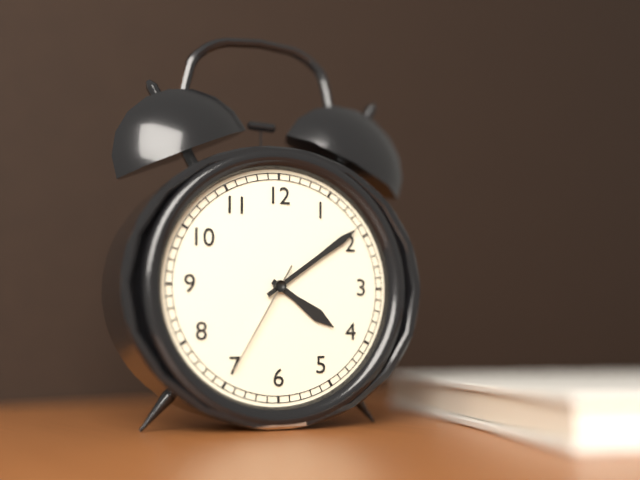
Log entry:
h=4 m=9 s=35
